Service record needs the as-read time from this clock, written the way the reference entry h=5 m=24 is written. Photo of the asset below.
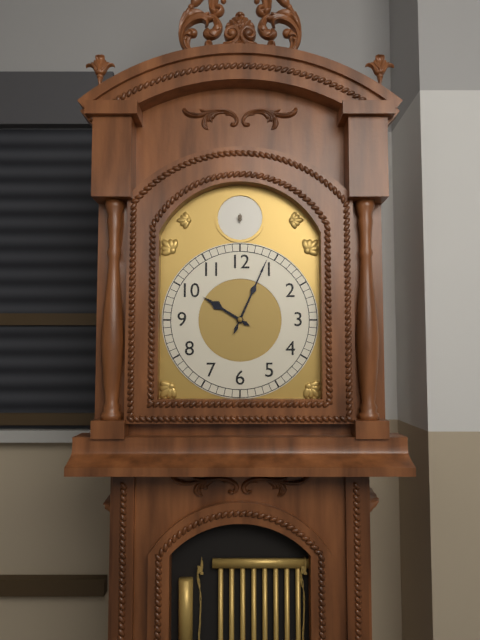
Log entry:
h=10 m=4
